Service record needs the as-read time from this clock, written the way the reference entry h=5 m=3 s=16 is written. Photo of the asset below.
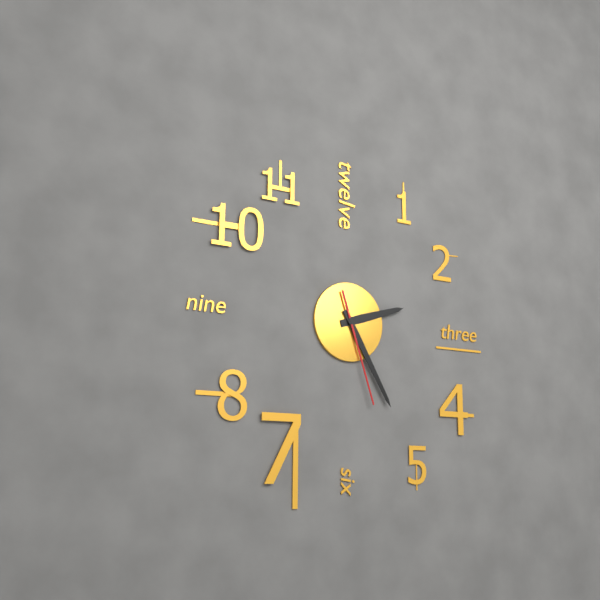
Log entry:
h=2 m=25 s=27
